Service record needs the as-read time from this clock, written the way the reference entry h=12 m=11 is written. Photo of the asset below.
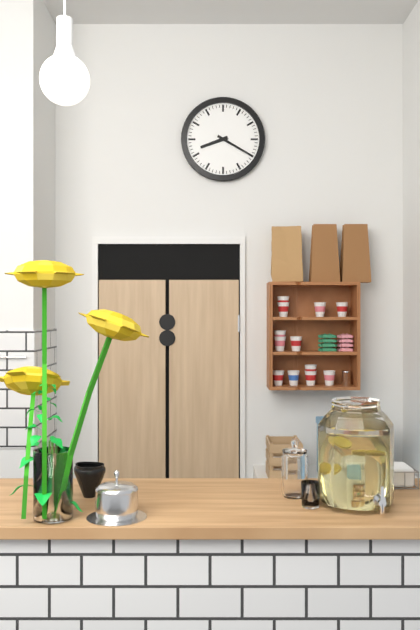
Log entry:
h=8 m=20
